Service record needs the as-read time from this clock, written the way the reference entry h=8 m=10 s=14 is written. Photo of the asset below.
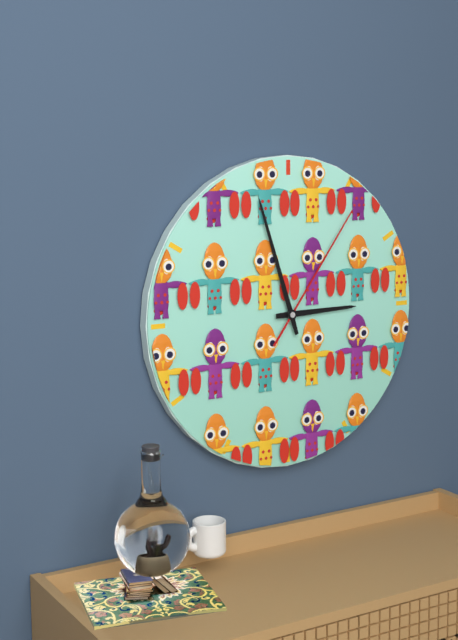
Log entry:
h=2 m=57 s=6
